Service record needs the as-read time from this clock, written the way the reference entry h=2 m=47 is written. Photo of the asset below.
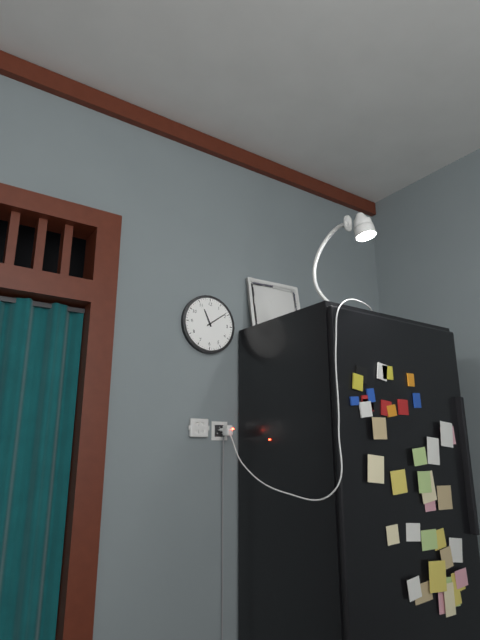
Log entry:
h=11 m=9
